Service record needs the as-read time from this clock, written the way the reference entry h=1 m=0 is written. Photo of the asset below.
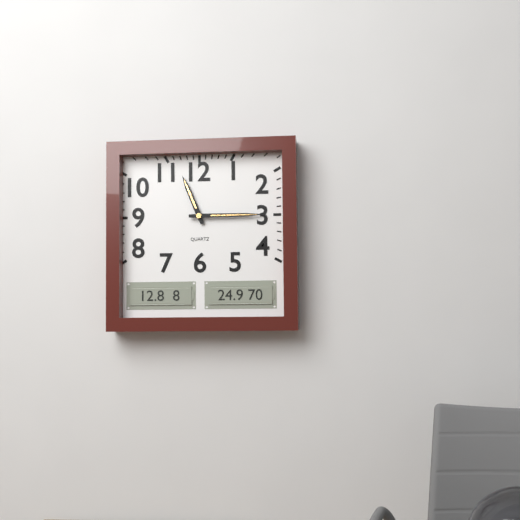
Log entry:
h=11 m=15
